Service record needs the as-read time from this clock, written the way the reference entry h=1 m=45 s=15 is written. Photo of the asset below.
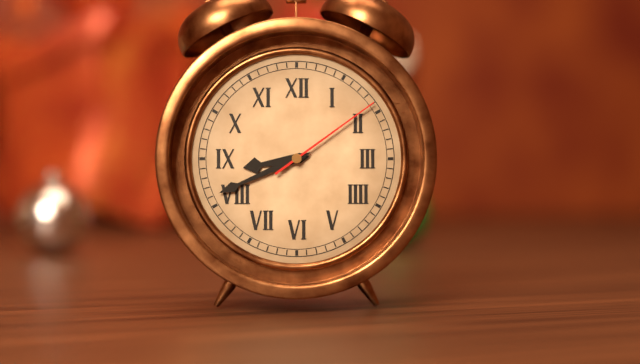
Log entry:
h=8 m=41 s=9
